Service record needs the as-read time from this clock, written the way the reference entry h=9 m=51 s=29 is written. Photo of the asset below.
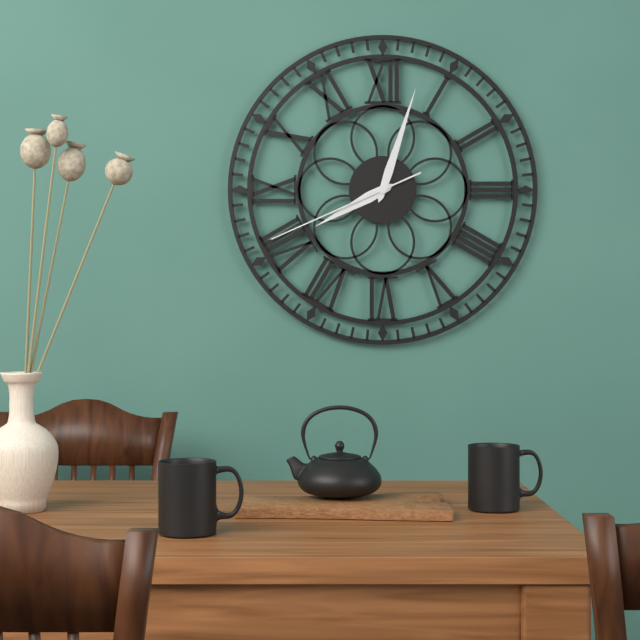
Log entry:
h=8 m=3 s=41
